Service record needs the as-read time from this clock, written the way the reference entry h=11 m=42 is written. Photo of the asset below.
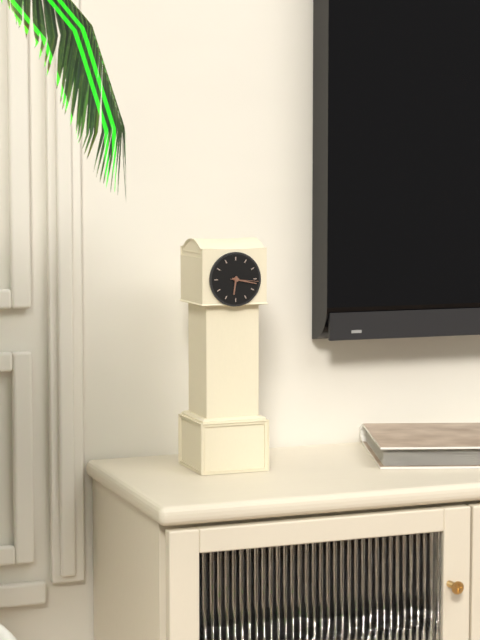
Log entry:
h=6 m=17
